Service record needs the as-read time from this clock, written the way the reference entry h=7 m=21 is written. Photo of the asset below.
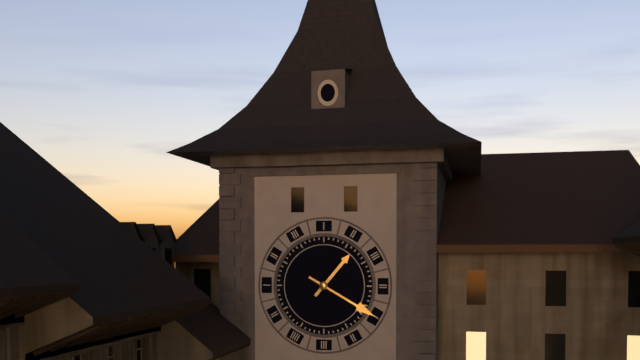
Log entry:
h=1 m=20
